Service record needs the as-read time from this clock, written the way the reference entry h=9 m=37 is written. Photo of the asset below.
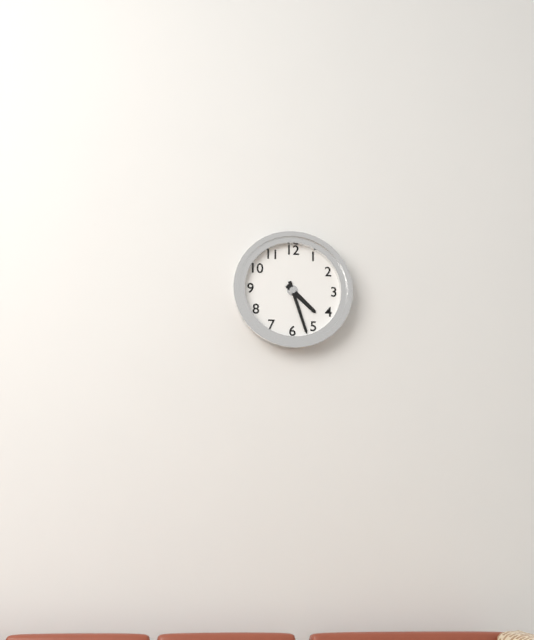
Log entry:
h=4 m=27
